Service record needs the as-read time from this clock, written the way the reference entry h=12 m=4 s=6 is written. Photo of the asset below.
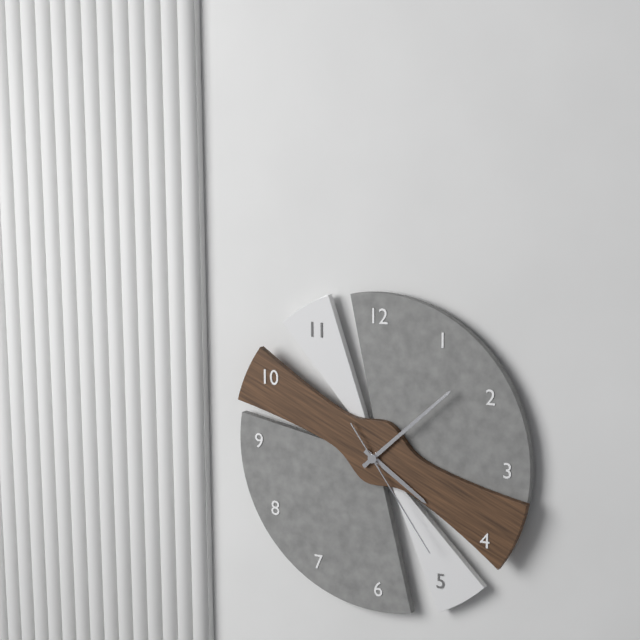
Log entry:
h=4 m=8 s=24
